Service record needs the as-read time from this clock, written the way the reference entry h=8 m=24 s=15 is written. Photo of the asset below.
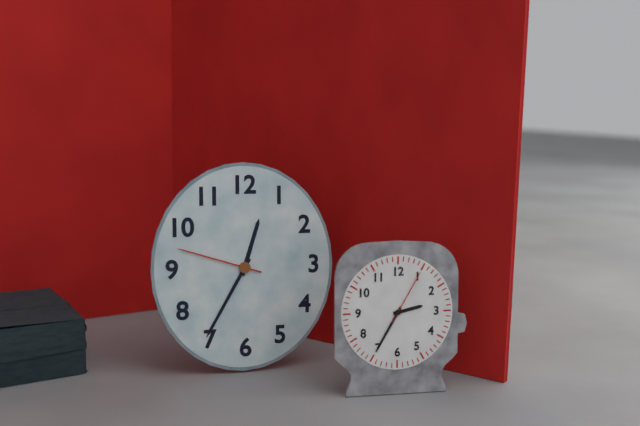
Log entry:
h=12 m=35 s=48
